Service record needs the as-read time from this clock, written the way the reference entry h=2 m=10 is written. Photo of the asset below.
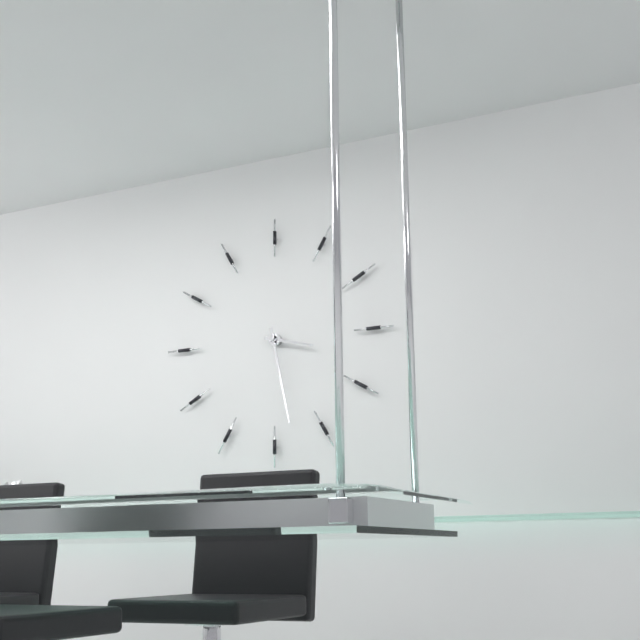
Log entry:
h=3 m=28
